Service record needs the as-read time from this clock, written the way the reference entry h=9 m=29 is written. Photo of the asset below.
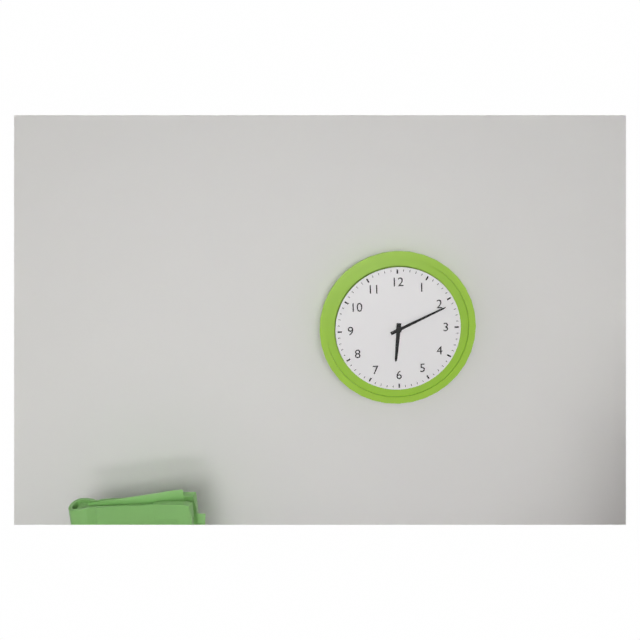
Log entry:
h=6 m=11
